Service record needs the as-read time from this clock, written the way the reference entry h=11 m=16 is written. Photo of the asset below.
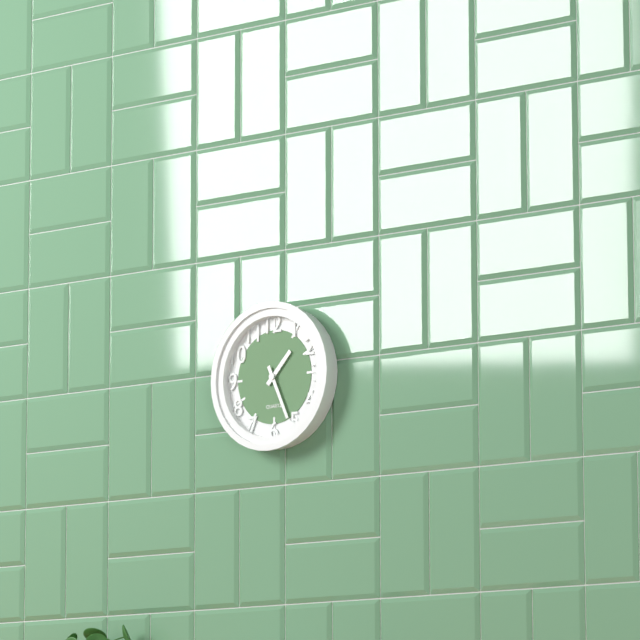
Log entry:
h=1 m=26
